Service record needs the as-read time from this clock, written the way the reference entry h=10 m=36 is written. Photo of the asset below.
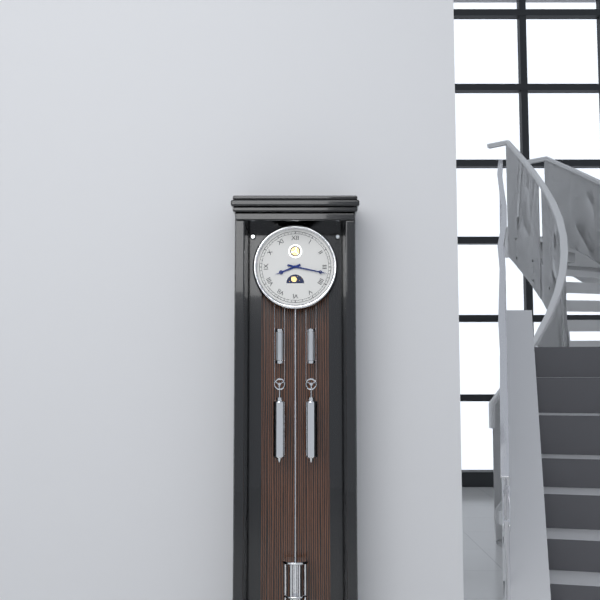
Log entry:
h=8 m=17
